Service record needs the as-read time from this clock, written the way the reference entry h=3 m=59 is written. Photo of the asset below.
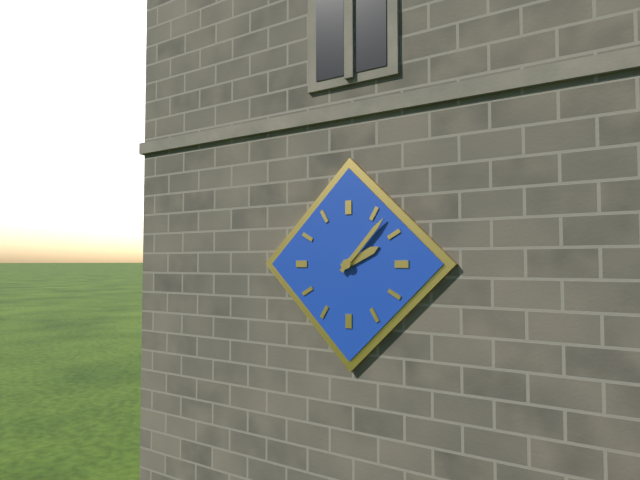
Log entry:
h=2 m=7
